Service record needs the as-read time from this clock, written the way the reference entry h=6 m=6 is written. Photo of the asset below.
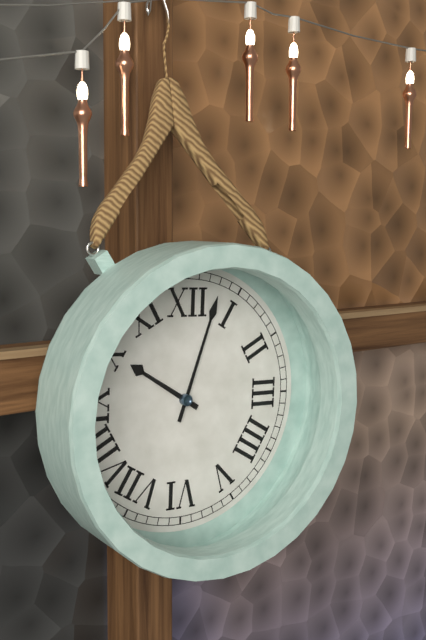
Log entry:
h=10 m=3
